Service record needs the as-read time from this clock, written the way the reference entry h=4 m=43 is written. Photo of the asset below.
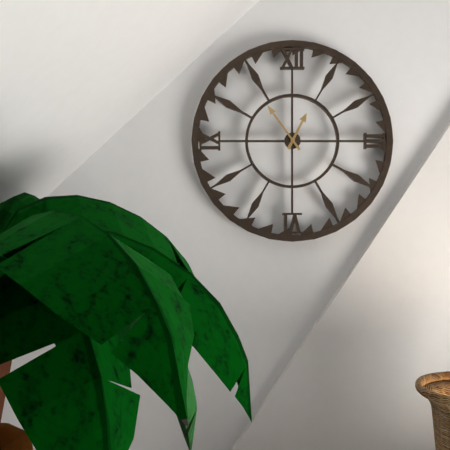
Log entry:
h=12 m=54
